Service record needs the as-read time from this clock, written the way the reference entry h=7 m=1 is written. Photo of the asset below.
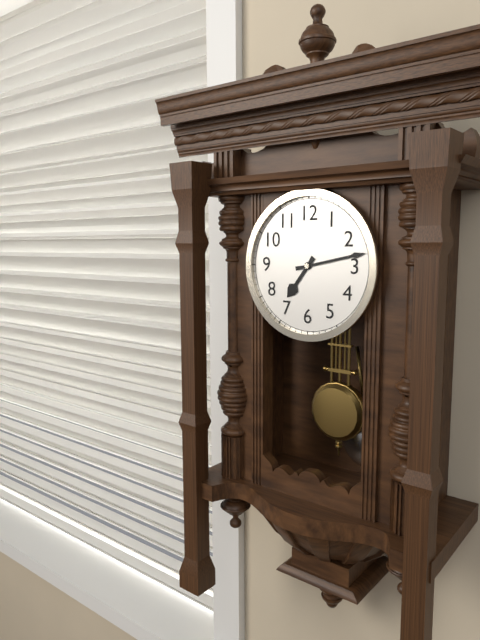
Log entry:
h=7 m=13
